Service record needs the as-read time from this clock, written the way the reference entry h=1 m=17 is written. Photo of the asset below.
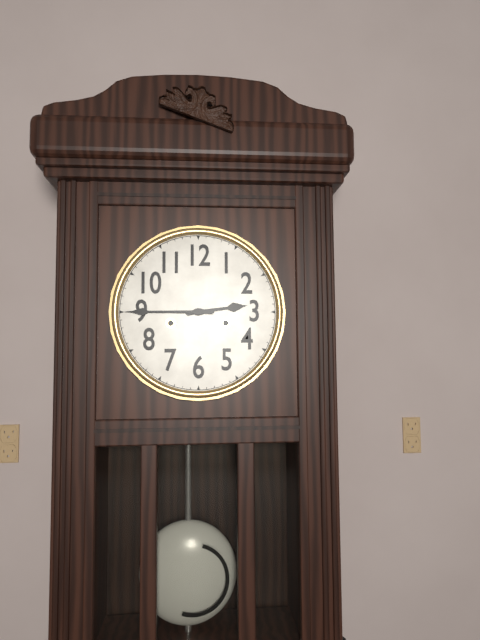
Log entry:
h=2 m=45
